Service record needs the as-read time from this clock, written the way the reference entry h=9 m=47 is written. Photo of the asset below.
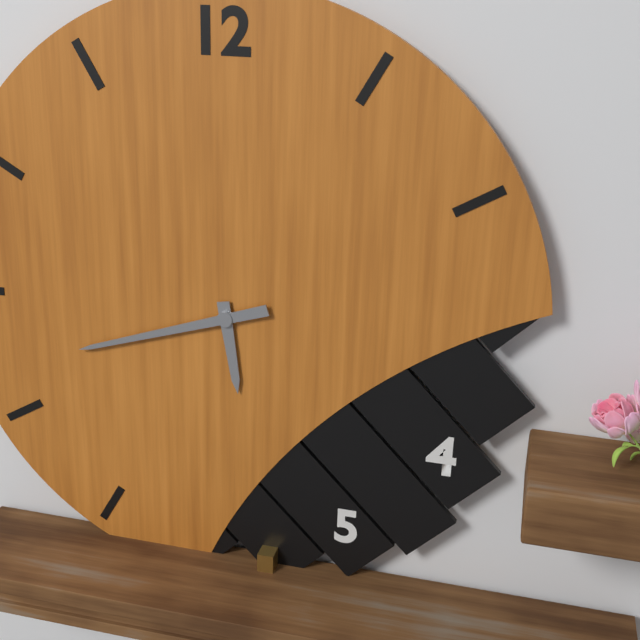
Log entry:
h=5 m=42
